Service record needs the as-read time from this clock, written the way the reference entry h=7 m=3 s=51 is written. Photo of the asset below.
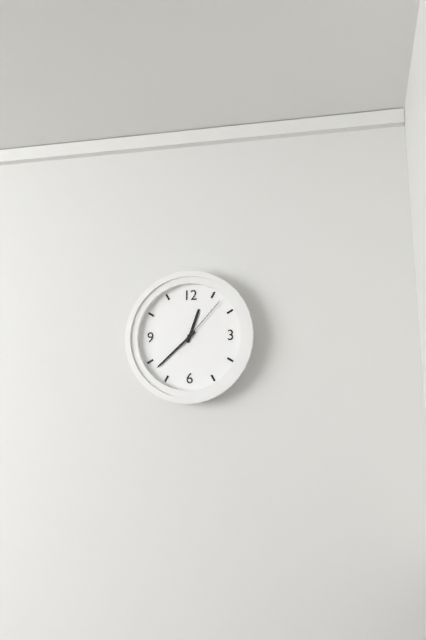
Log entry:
h=12 m=38 s=7
